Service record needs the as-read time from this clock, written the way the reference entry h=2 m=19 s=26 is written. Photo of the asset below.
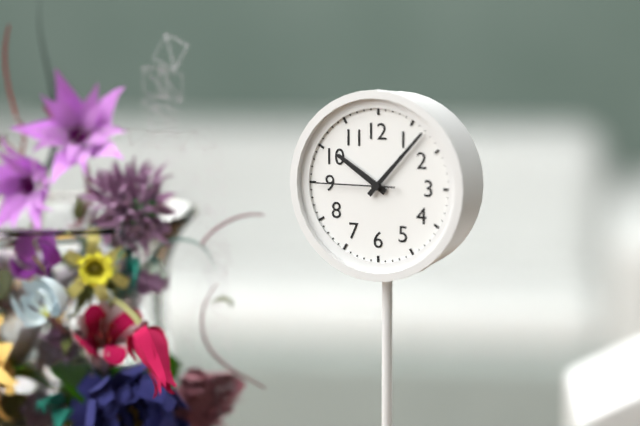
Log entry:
h=10 m=7 s=45
